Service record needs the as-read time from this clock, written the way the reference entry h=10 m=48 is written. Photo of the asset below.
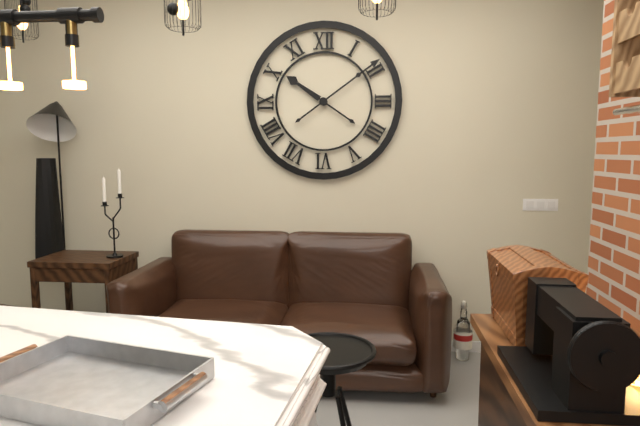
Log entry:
h=10 m=9
